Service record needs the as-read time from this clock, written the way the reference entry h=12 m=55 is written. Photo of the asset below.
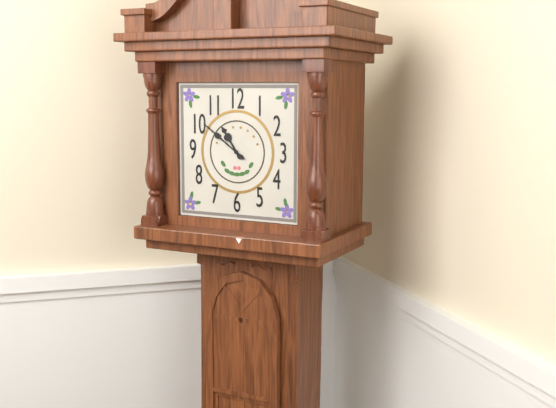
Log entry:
h=10 m=51
